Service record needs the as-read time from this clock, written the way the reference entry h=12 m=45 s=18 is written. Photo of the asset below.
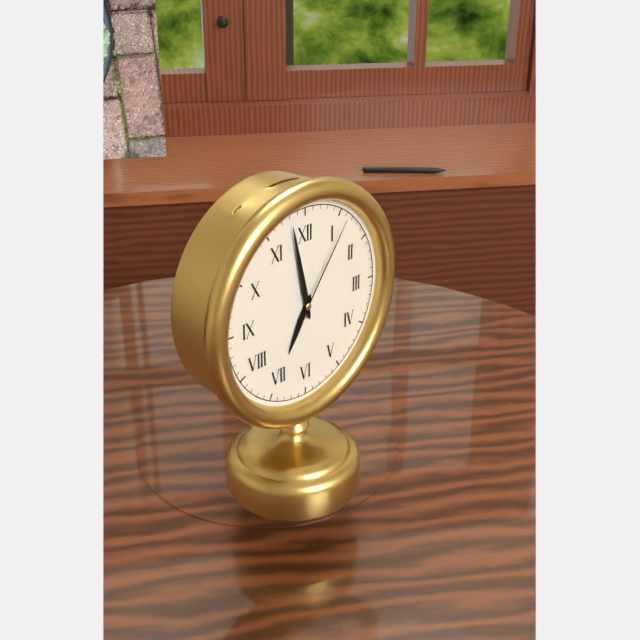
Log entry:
h=6 m=58 s=6
